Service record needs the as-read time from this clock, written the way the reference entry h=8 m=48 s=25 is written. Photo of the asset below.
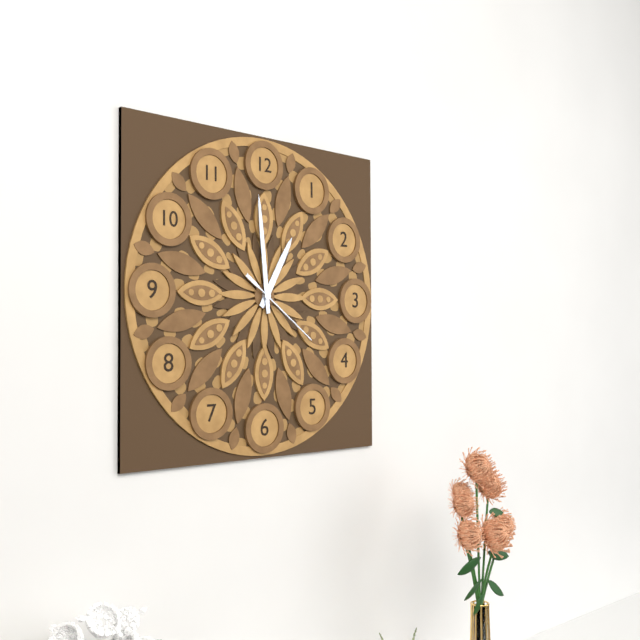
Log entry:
h=12 m=59 s=21
